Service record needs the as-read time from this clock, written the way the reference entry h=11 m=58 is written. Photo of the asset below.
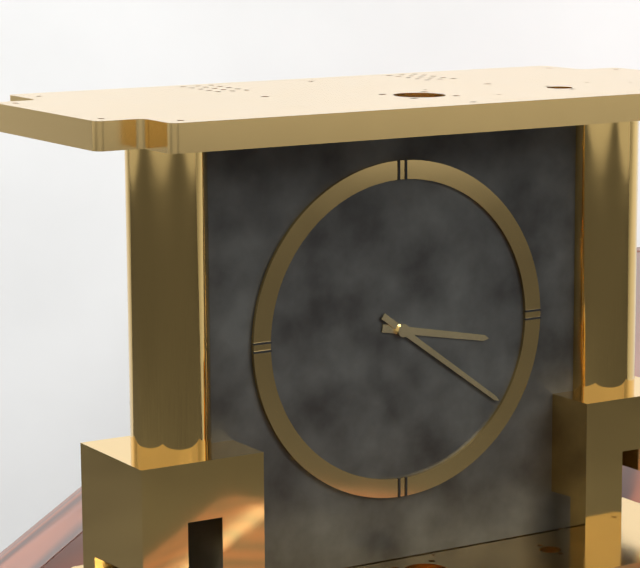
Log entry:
h=3 m=21
